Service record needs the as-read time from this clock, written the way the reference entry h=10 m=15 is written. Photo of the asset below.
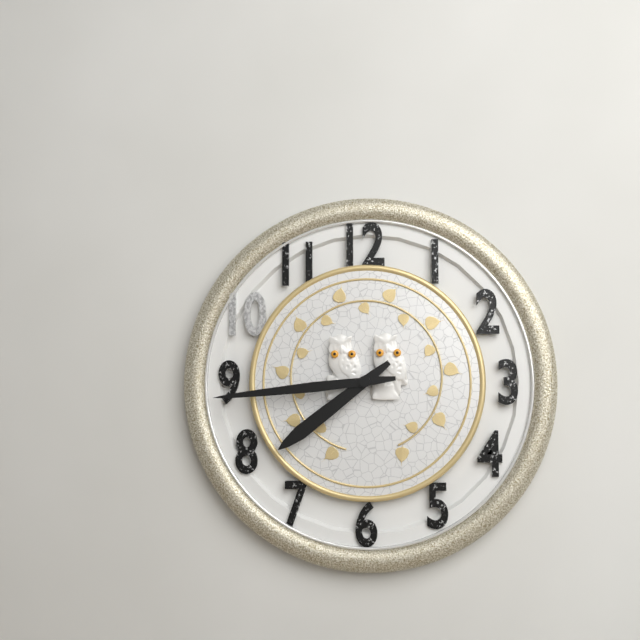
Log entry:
h=7 m=44
